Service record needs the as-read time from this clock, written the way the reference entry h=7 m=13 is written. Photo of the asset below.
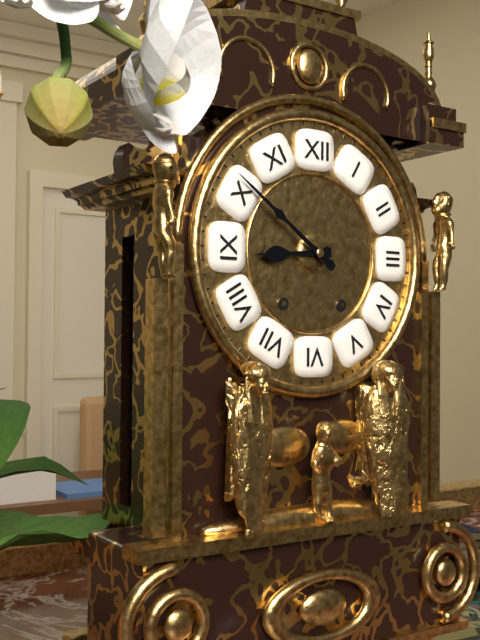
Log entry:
h=8 m=51
